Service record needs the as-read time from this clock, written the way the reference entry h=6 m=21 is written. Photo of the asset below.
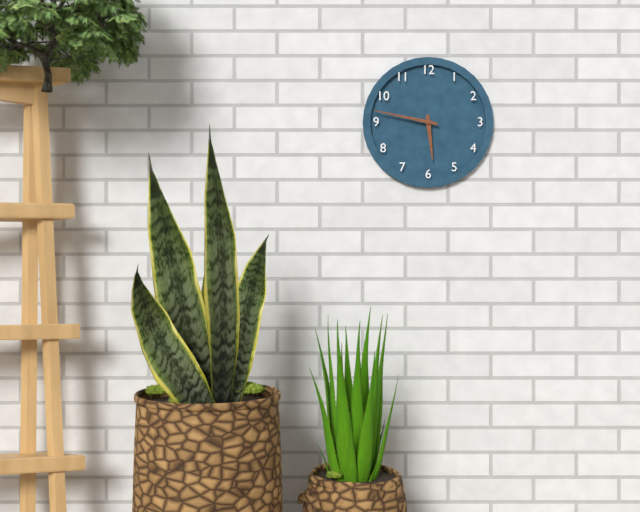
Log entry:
h=5 m=47
